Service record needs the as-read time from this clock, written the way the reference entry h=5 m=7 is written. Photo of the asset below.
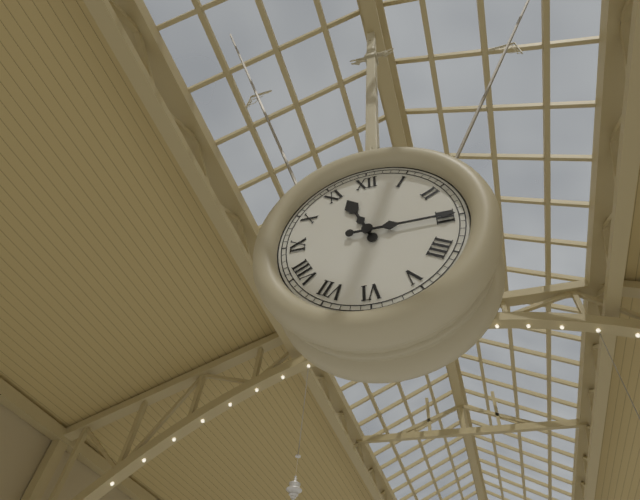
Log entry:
h=11 m=15
